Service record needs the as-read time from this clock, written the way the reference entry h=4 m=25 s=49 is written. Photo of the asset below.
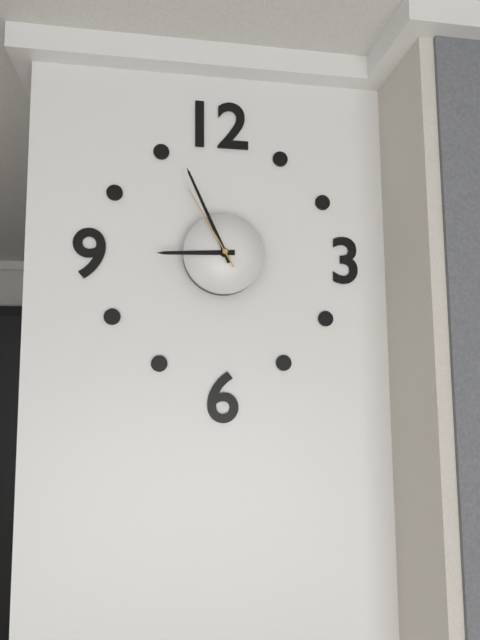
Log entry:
h=8 m=56 s=55
